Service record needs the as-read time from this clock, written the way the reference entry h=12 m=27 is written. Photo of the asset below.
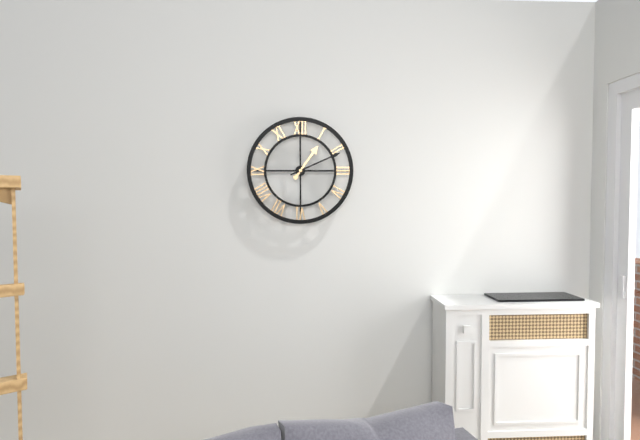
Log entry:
h=1 m=11
